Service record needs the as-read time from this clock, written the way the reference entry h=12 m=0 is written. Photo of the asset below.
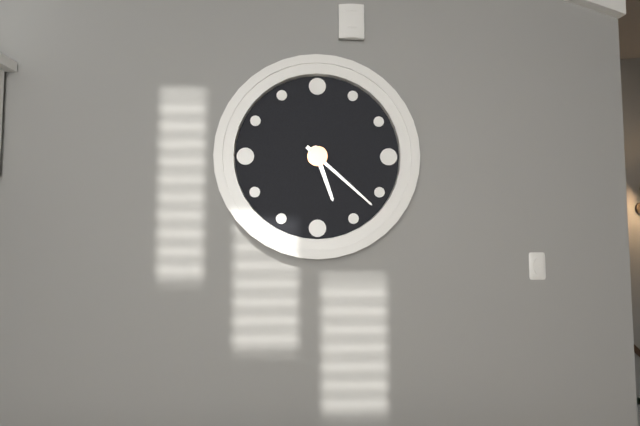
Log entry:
h=5 m=22
